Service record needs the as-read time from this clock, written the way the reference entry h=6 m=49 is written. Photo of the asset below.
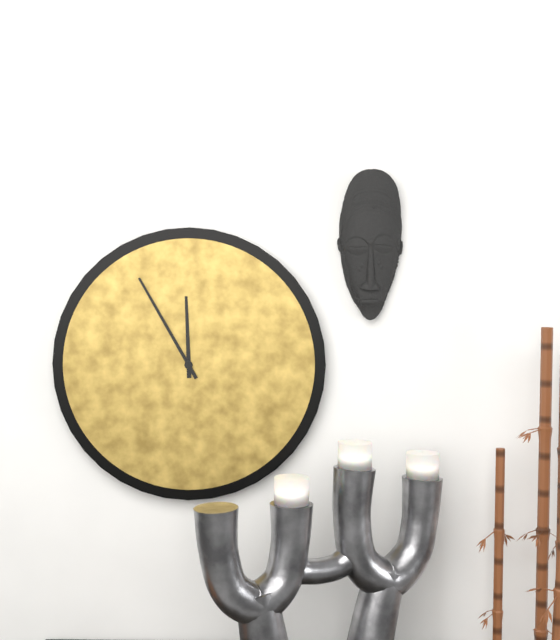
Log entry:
h=11 m=55
